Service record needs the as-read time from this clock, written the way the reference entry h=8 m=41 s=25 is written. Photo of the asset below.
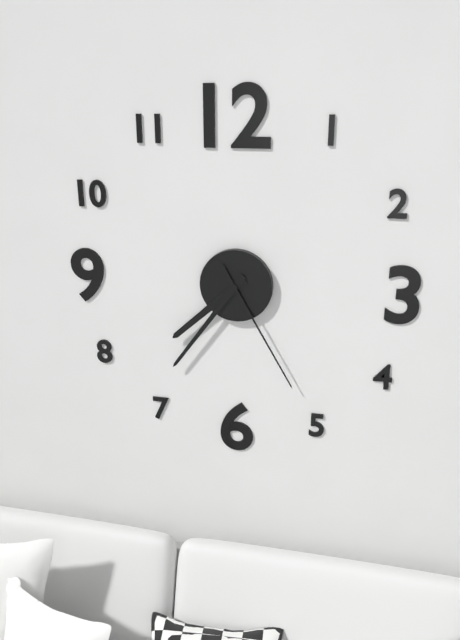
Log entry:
h=7 m=36 s=25
